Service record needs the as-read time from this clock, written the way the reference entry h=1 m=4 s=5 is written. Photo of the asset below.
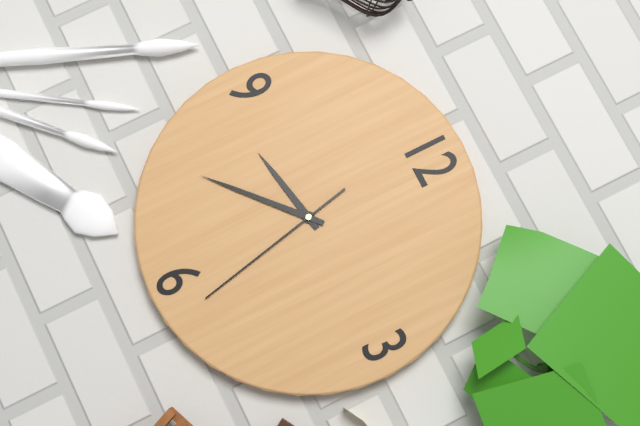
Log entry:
h=8 m=38 s=28
